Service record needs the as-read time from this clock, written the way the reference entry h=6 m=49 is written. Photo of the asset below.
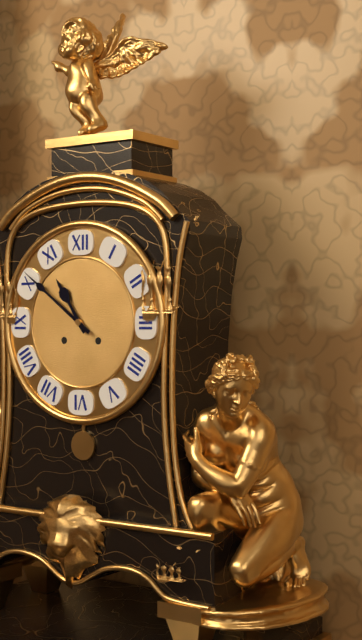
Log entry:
h=10 m=51
